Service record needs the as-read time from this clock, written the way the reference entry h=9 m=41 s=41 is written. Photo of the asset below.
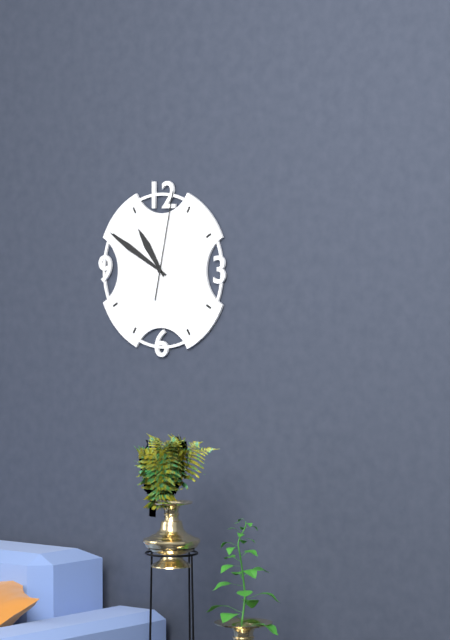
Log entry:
h=10 m=50 s=2
